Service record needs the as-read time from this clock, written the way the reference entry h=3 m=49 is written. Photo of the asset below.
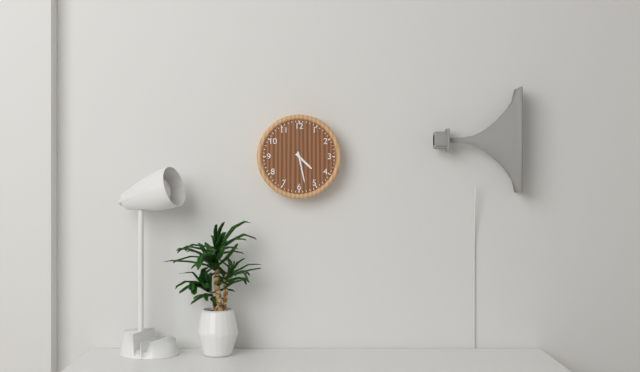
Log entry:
h=4 m=28
